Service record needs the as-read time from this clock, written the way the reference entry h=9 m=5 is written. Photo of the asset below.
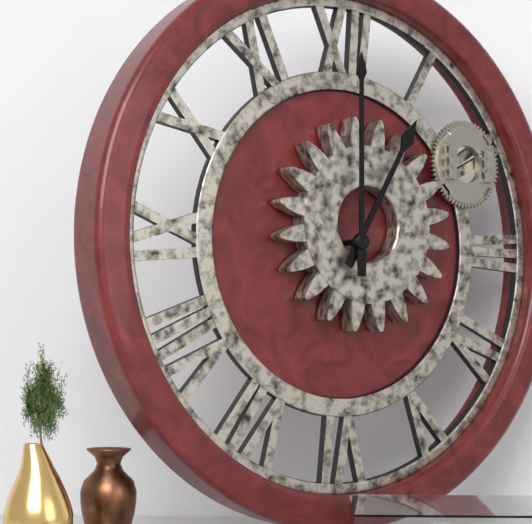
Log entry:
h=1 m=0
